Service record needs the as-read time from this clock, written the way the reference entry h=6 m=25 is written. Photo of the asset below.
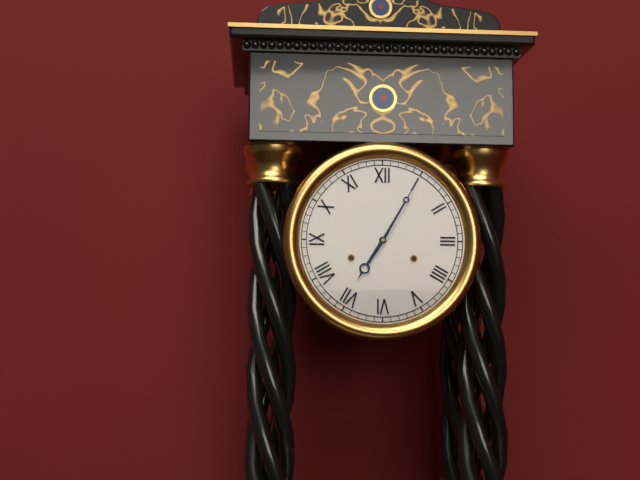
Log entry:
h=7 m=5
